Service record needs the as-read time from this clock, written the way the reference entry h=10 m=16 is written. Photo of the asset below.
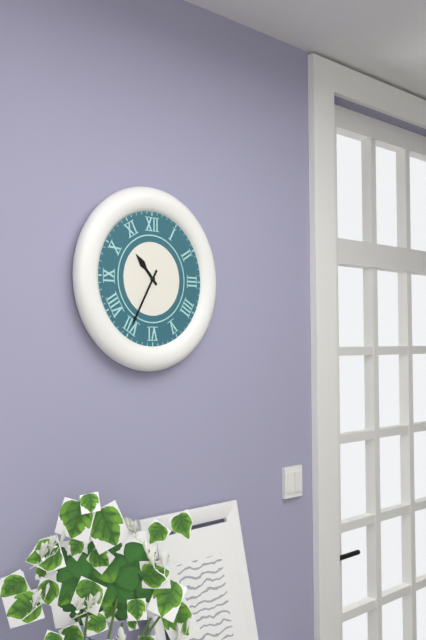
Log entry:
h=10 m=35
